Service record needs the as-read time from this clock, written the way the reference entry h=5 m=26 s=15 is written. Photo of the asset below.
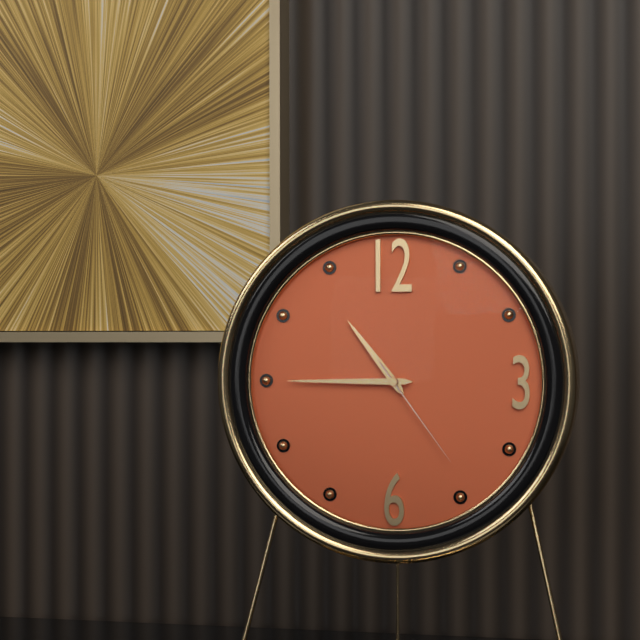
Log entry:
h=10 m=45 s=24
